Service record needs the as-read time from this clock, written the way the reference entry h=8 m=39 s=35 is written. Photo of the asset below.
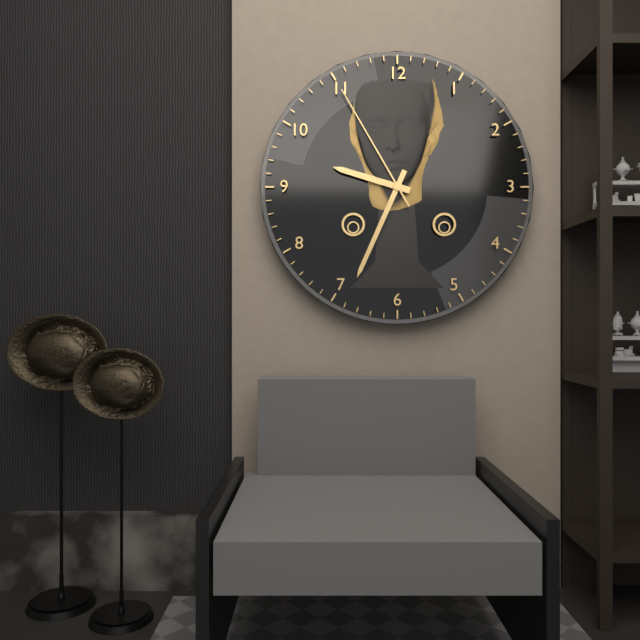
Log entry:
h=9 m=34 s=55
